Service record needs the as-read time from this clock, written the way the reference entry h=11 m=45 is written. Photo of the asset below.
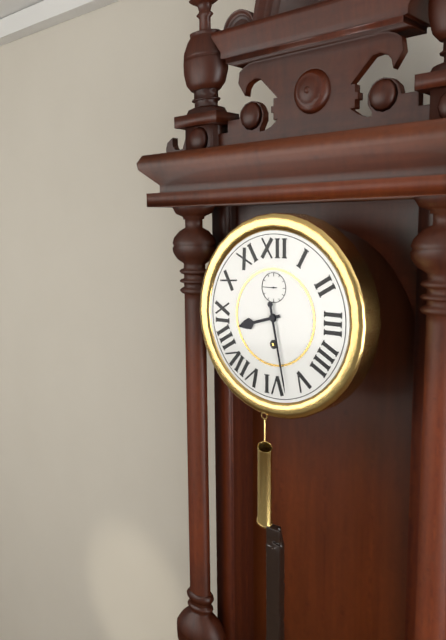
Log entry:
h=8 m=28
